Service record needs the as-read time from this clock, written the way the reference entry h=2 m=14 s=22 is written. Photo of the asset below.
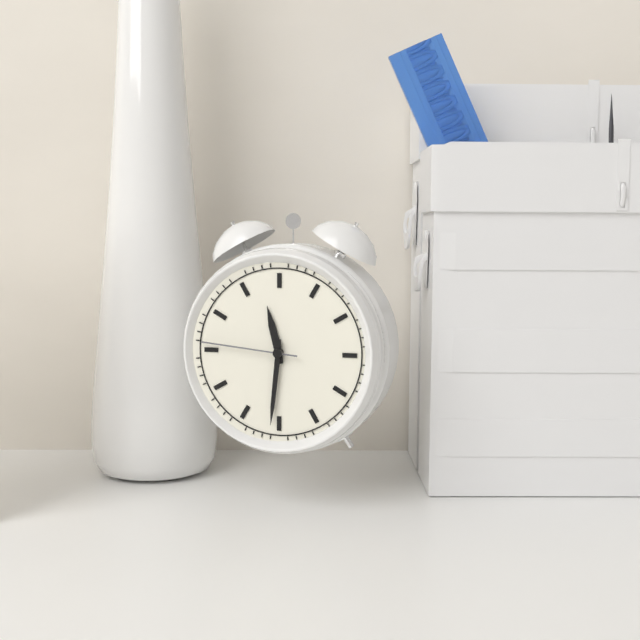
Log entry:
h=11 m=31 s=46
